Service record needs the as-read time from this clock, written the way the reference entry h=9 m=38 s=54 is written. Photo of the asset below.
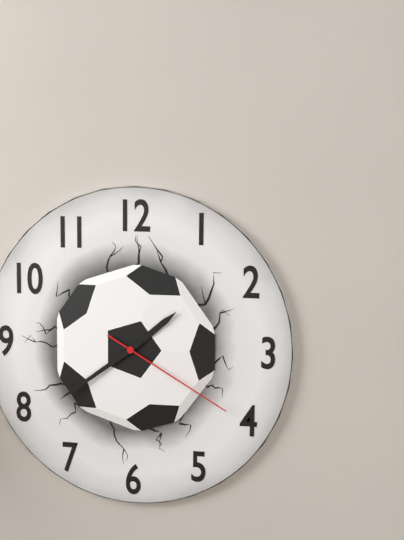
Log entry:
h=1 m=39 s=20
